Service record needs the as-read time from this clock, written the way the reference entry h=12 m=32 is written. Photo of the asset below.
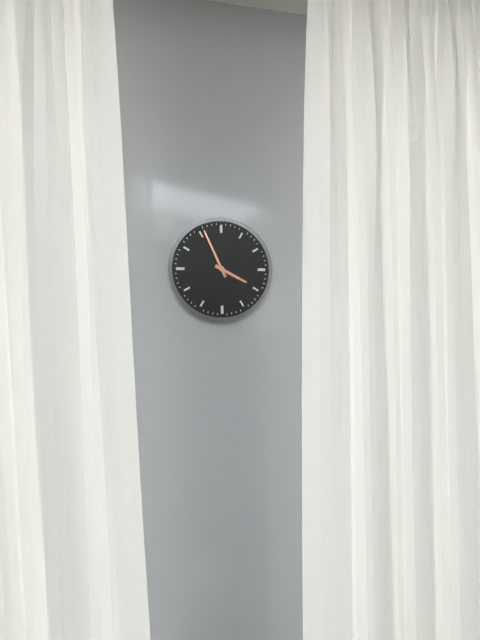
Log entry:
h=3 m=56
